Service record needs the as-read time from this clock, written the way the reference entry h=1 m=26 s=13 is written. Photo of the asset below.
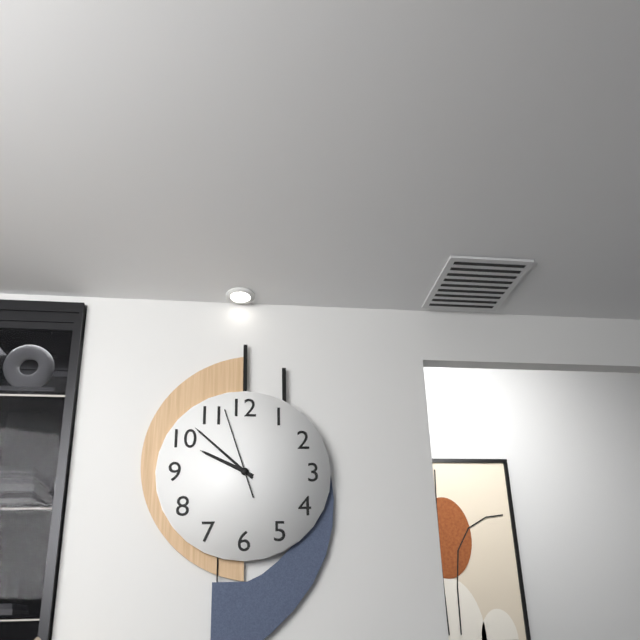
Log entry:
h=9 m=52 s=57
